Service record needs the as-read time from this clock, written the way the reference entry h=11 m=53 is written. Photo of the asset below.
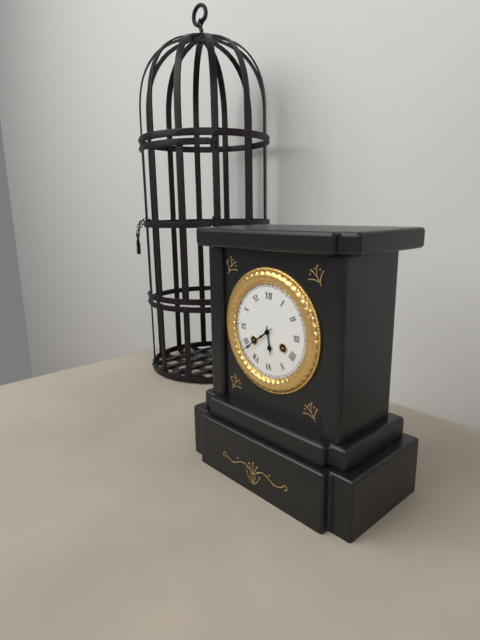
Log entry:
h=5 m=39
